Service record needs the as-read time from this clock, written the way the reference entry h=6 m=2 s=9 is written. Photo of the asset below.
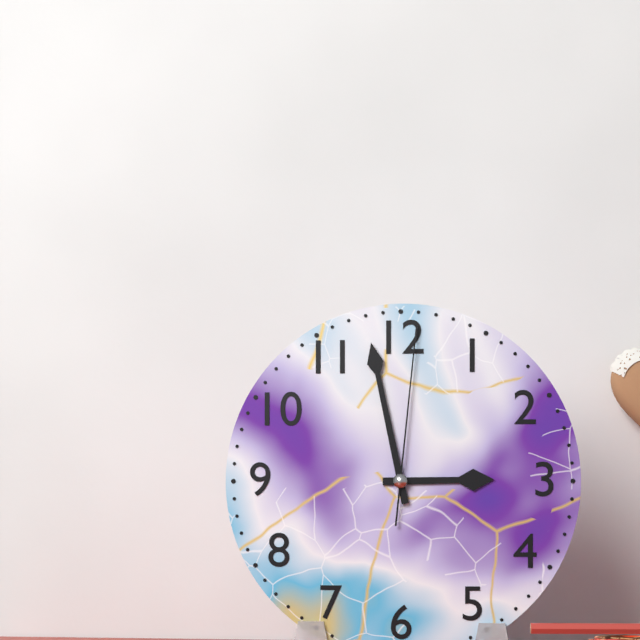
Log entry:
h=2 m=58 s=1
